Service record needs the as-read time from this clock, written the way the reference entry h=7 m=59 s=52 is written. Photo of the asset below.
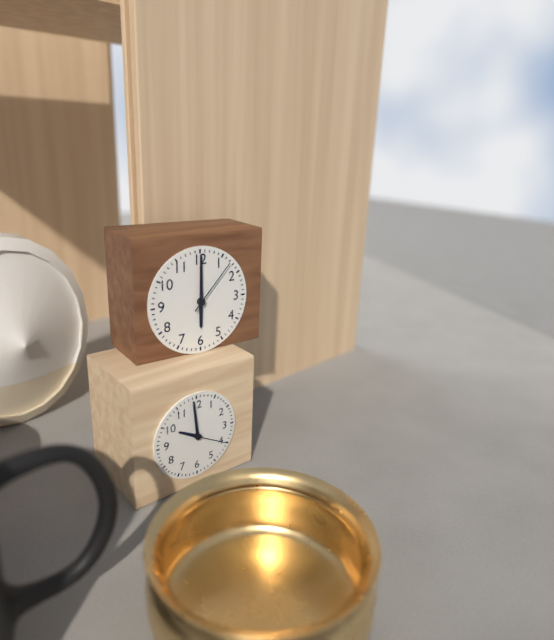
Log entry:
h=6 m=0 s=7
